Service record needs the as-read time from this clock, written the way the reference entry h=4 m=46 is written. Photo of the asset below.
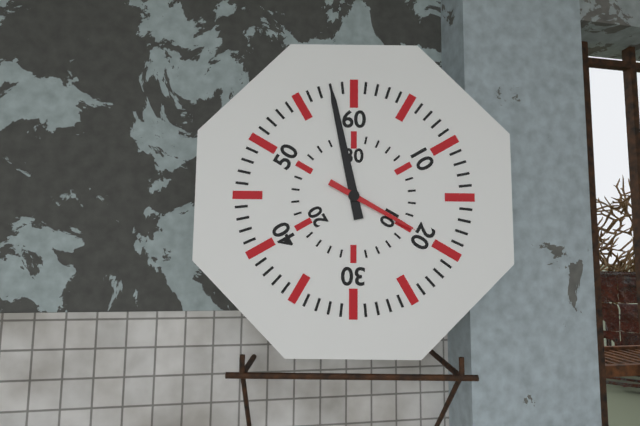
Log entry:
h=3 m=58
